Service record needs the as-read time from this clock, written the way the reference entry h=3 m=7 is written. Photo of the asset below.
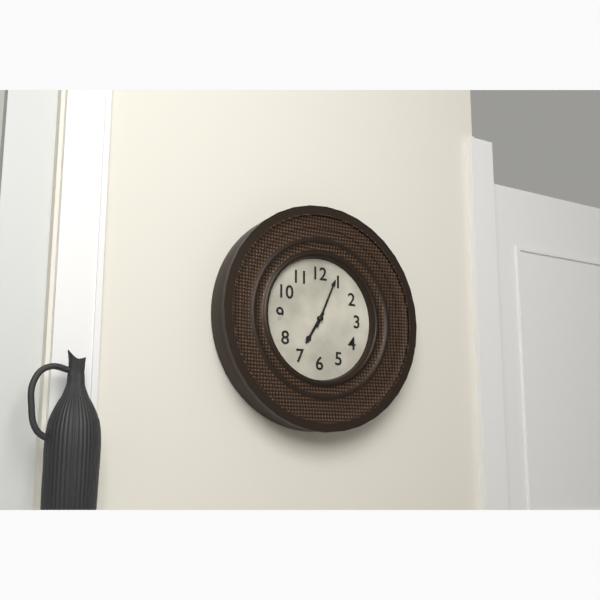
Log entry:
h=7 m=4
